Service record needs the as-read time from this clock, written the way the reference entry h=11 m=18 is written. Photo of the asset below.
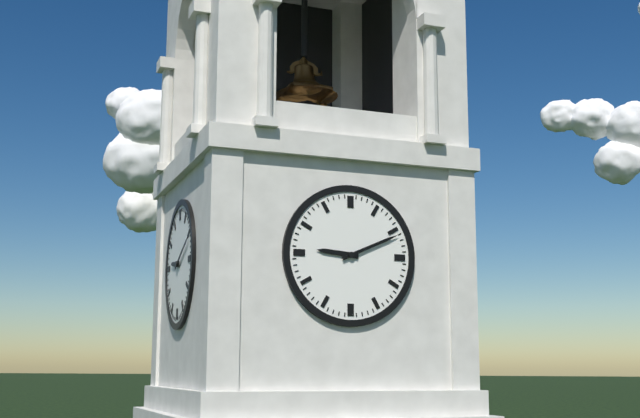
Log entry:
h=9 m=11
